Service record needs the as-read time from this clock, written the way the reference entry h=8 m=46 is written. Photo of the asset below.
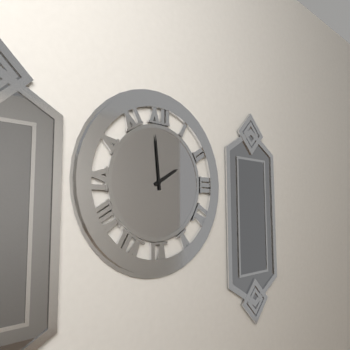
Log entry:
h=1 m=59
